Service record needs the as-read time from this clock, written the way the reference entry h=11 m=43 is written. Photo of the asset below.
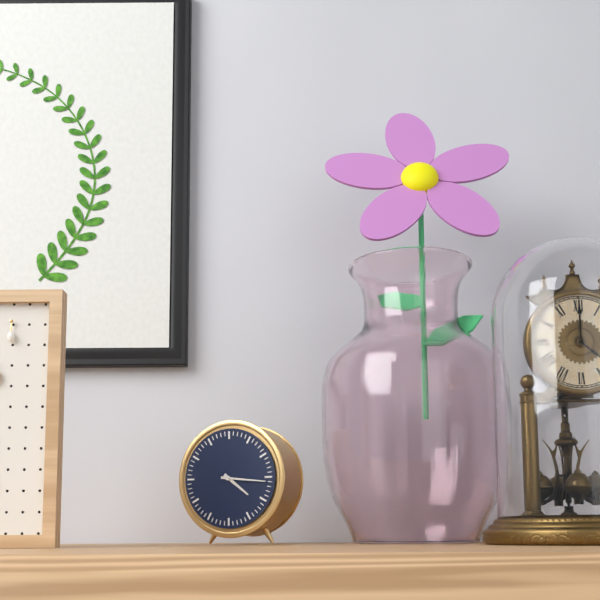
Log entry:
h=4 m=16
